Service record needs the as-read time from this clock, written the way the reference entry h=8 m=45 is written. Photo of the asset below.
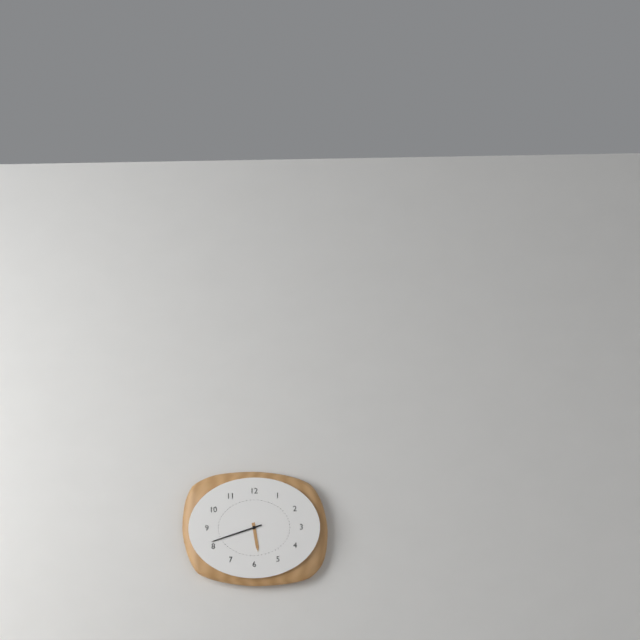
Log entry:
h=5 m=42
